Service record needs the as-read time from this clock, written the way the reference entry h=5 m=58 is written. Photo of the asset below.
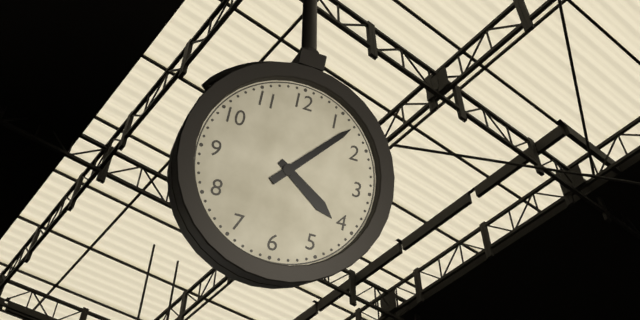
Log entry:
h=4 m=7
